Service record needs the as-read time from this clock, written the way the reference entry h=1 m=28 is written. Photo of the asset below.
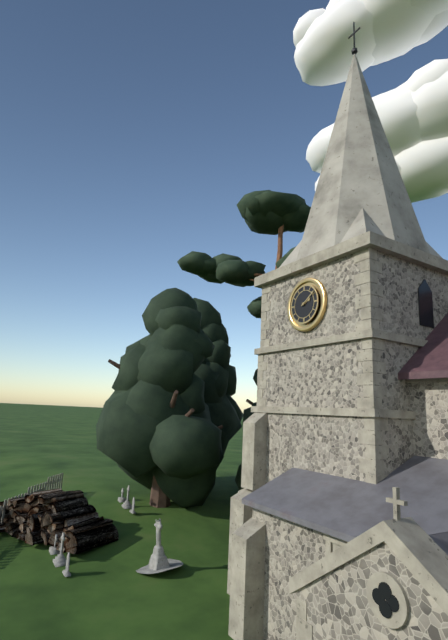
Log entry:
h=2 m=9
